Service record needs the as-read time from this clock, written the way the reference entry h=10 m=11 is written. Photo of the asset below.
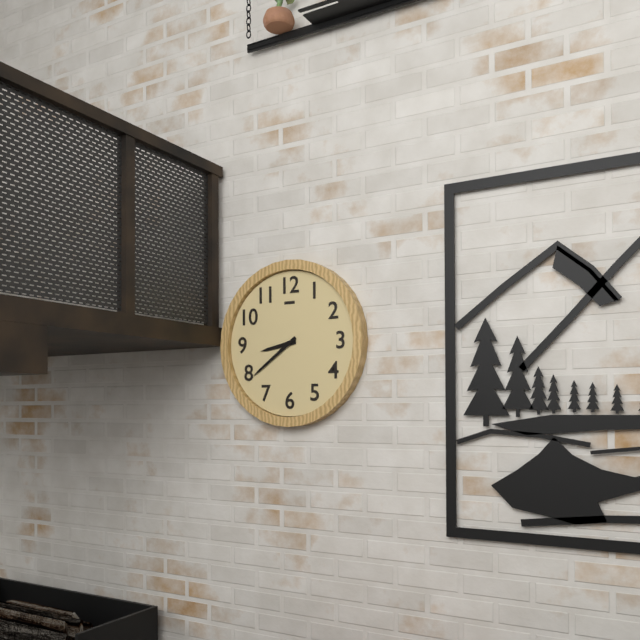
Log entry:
h=8 m=39
